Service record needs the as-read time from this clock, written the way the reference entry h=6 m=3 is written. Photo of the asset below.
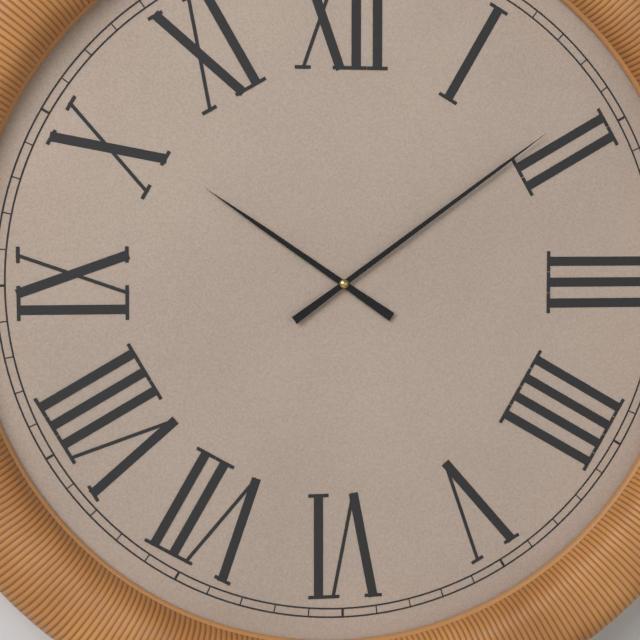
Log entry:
h=10 m=9
